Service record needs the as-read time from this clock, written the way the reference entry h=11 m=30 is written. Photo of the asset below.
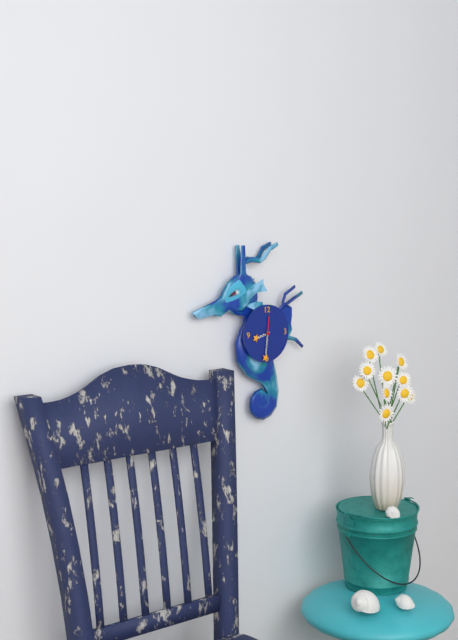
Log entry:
h=8 m=31
